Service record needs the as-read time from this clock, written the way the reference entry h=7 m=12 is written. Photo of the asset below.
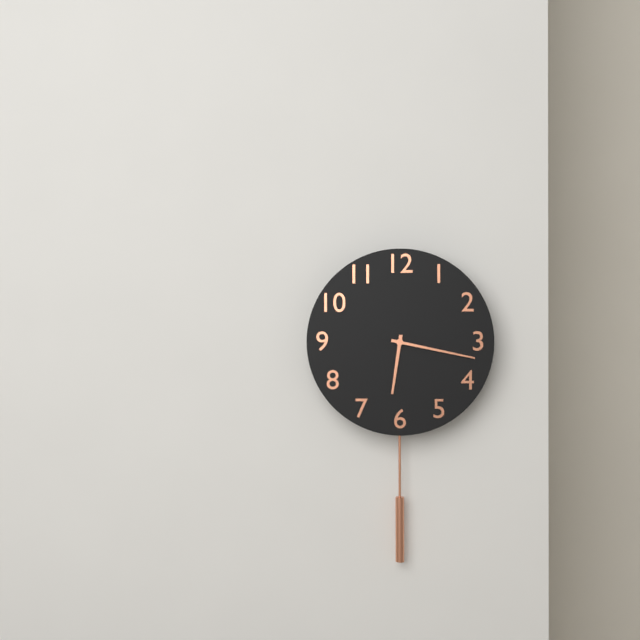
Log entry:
h=6 m=17
